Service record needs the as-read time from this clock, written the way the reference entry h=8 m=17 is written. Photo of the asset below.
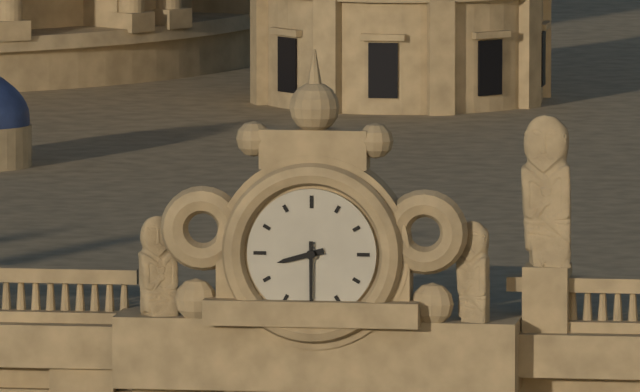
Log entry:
h=8 m=30
